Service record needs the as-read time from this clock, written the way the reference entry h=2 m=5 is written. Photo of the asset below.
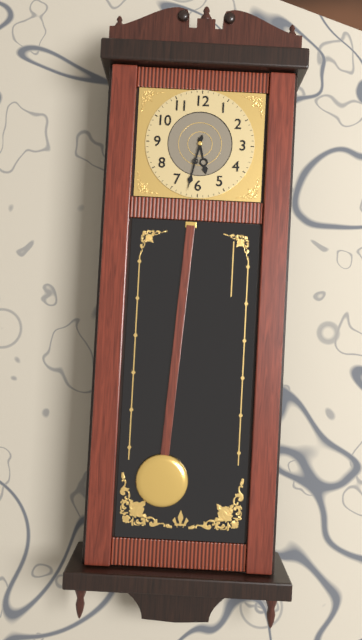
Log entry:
h=5 m=32
